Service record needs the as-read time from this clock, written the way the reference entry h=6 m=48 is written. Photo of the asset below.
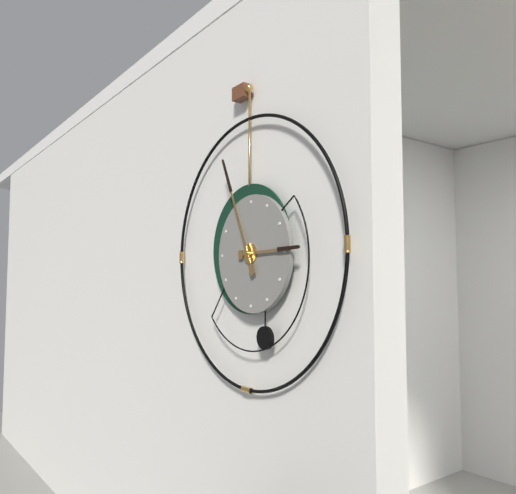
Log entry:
h=2 m=56
